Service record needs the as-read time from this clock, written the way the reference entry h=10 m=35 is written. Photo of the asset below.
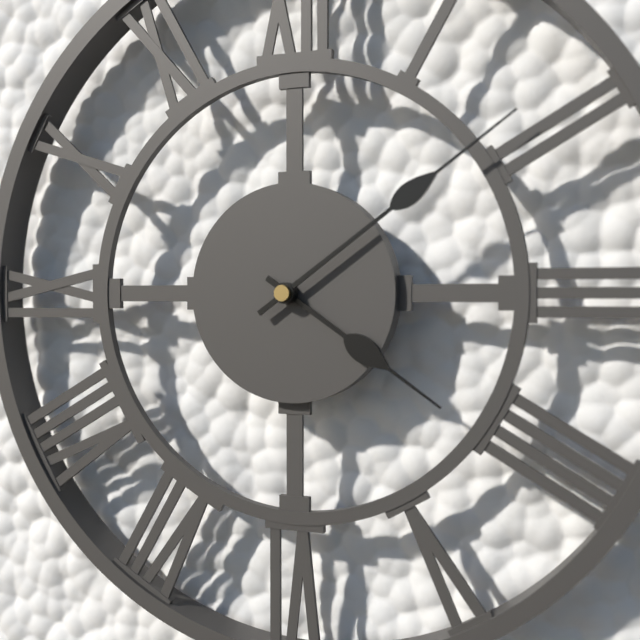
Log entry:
h=4 m=9
